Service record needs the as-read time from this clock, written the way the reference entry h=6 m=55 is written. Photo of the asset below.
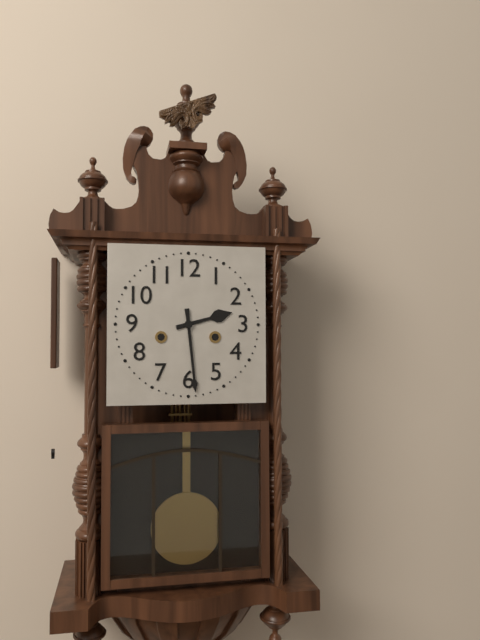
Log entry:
h=2 m=29
